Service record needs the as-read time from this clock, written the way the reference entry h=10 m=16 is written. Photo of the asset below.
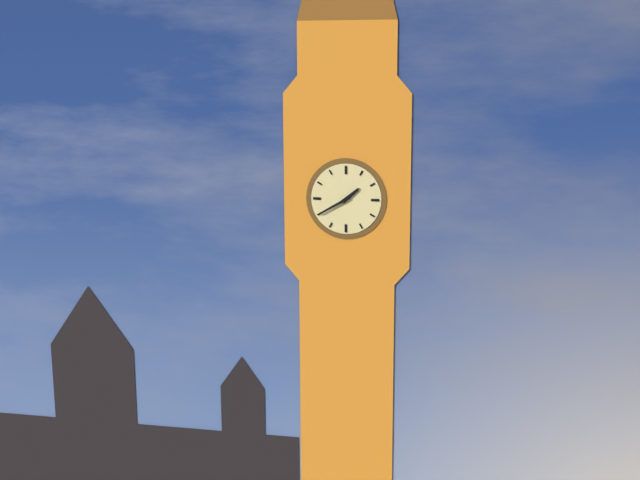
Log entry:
h=1 m=40
